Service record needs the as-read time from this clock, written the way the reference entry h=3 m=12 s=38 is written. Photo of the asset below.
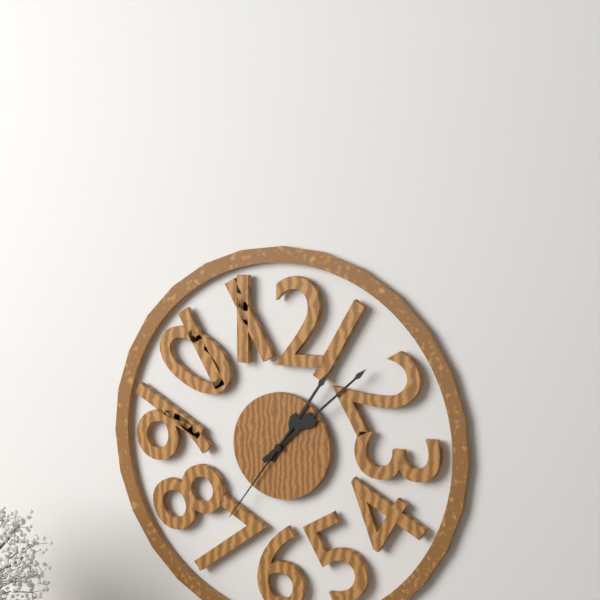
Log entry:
h=1 m=8 s=36
